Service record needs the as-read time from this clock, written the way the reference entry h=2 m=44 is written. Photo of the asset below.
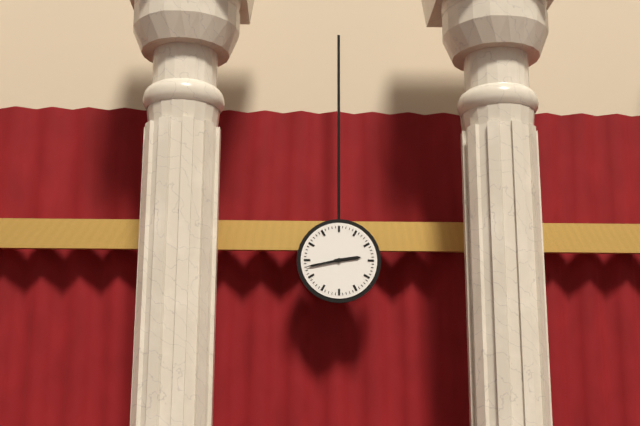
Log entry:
h=2 m=43
